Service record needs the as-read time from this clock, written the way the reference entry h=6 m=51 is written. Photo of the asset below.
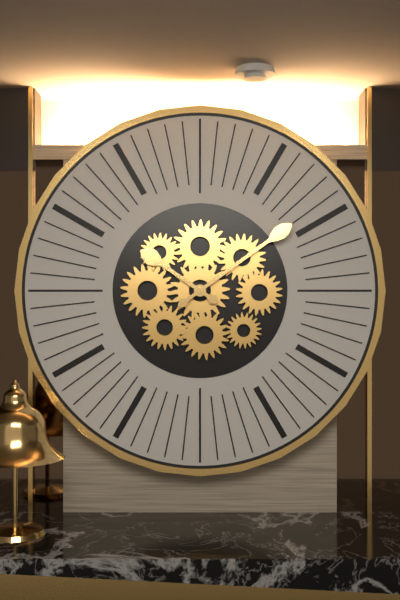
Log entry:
h=10 m=9
